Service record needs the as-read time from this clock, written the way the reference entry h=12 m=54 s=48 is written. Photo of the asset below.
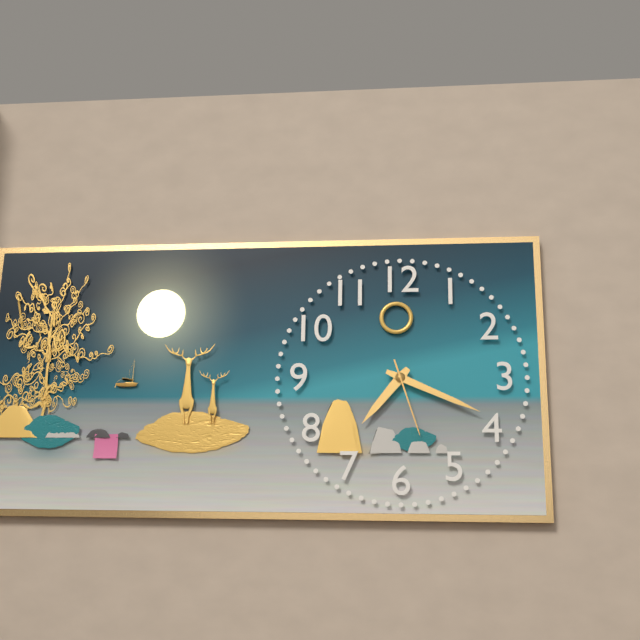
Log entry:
h=7 m=19 s=27
